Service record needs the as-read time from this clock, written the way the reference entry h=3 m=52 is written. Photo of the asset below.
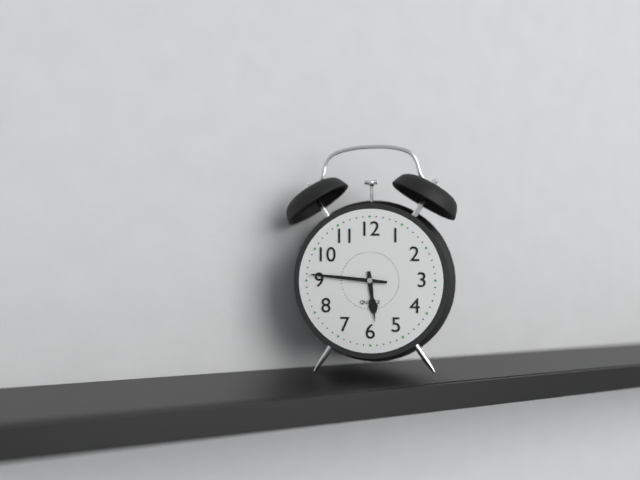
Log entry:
h=5 m=46
